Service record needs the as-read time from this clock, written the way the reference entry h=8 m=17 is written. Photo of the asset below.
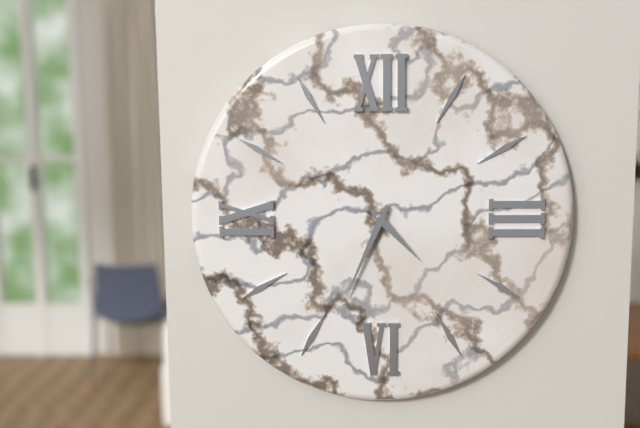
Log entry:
h=4 m=34
